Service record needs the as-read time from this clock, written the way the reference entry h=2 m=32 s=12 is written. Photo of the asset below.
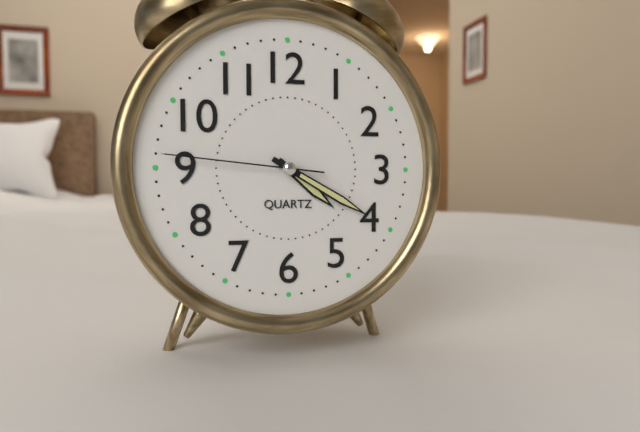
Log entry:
h=4 m=20 s=46
